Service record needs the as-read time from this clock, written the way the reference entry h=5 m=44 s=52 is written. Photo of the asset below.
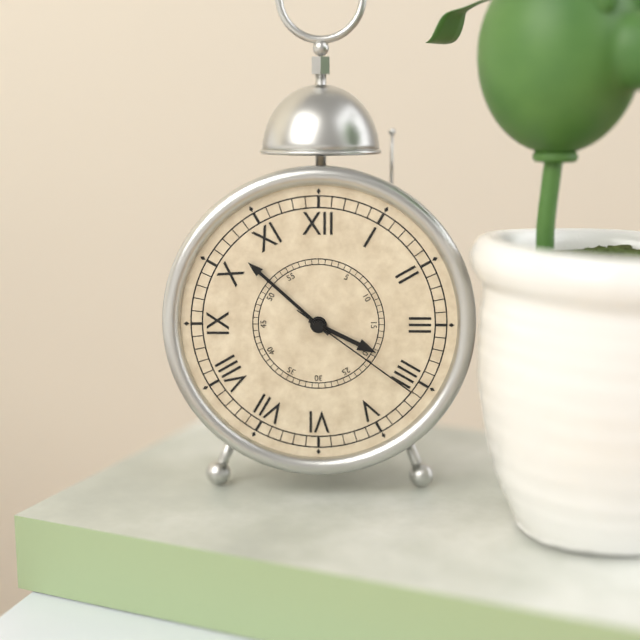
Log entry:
h=3 m=52 s=21
